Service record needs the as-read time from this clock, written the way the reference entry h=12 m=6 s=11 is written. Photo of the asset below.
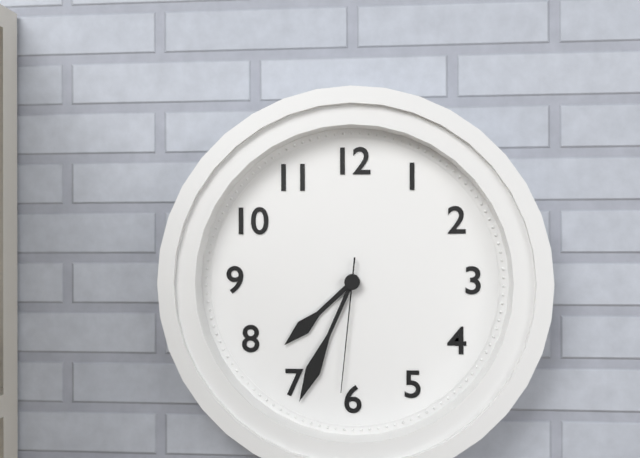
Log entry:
h=7 m=34 s=31
